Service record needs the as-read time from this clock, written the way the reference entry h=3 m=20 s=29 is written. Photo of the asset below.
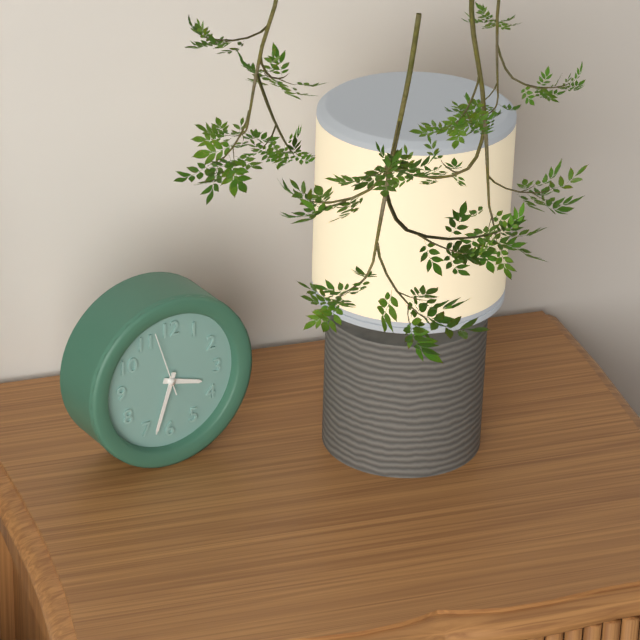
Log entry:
h=3 m=33 s=57
